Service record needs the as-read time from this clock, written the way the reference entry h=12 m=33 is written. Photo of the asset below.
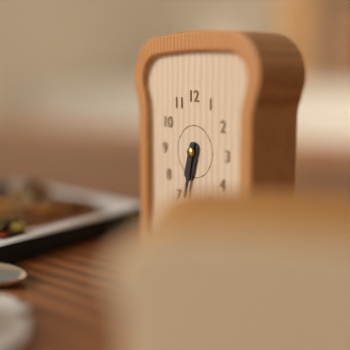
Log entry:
h=6 m=32
